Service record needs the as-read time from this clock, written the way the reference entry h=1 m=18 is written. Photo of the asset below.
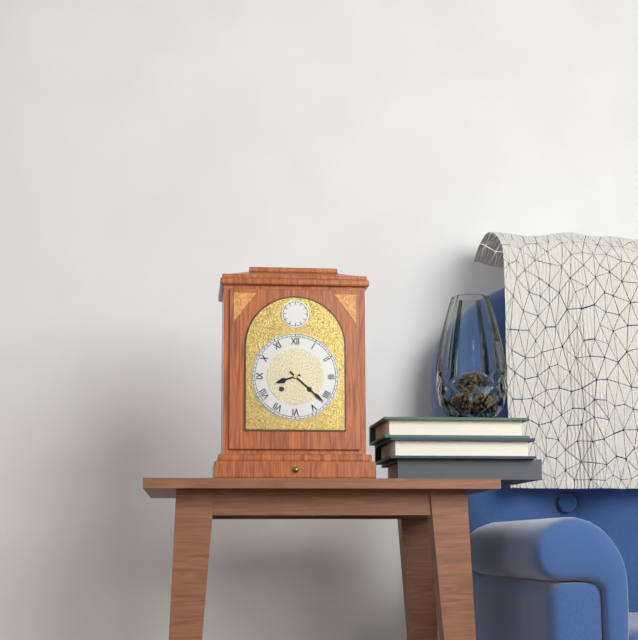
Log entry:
h=8 m=22
